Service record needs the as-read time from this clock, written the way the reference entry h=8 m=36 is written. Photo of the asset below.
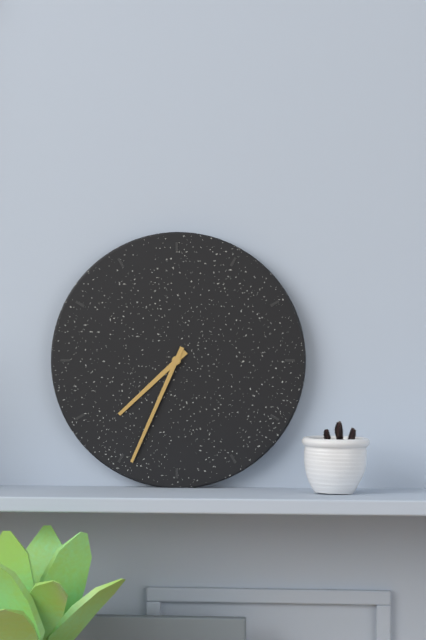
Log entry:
h=7 m=34
